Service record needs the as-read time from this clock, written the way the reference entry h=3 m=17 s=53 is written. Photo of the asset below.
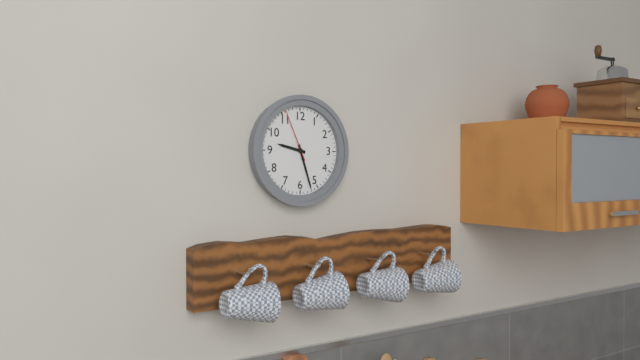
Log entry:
h=9 m=27 s=56
